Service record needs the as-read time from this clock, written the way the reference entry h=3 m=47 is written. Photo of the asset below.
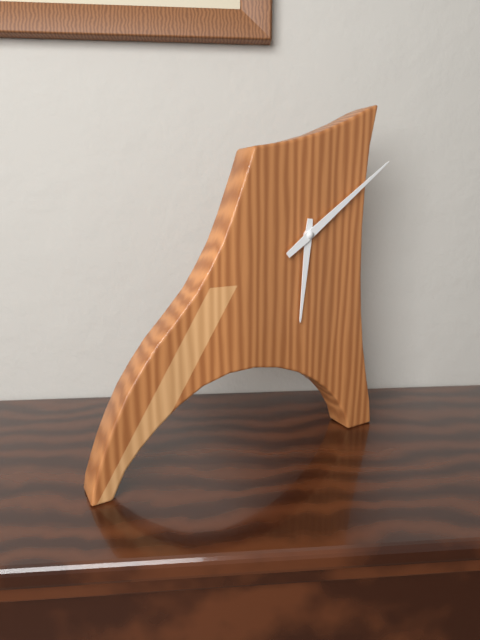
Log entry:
h=6 m=9
